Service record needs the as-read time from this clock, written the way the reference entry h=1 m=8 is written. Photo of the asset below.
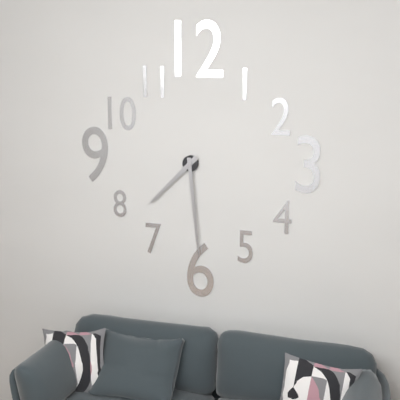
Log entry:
h=7 m=29
